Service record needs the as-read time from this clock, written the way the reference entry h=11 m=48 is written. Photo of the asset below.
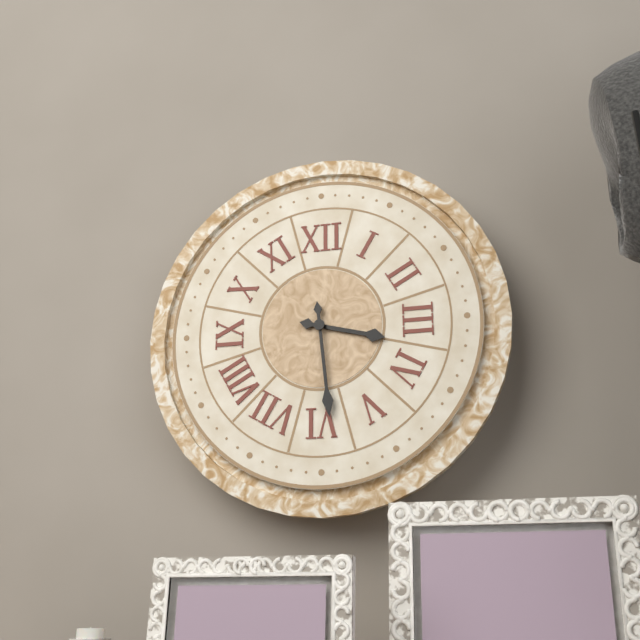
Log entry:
h=3 m=29
